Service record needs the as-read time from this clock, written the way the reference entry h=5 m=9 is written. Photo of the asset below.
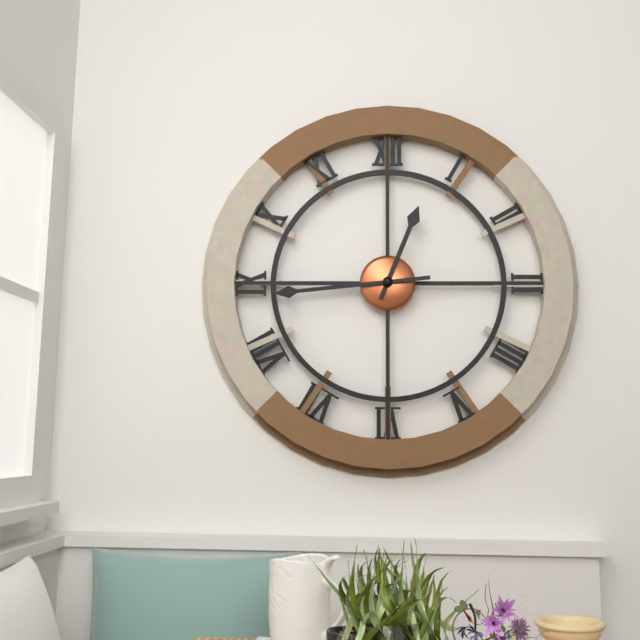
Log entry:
h=12 m=44
